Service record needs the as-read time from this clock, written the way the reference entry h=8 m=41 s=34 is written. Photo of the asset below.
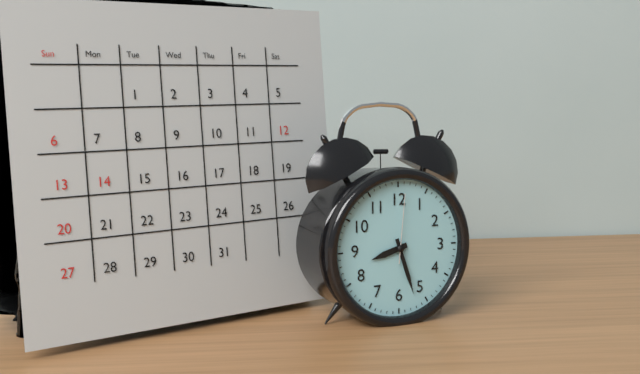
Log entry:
h=8 m=27 s=1
